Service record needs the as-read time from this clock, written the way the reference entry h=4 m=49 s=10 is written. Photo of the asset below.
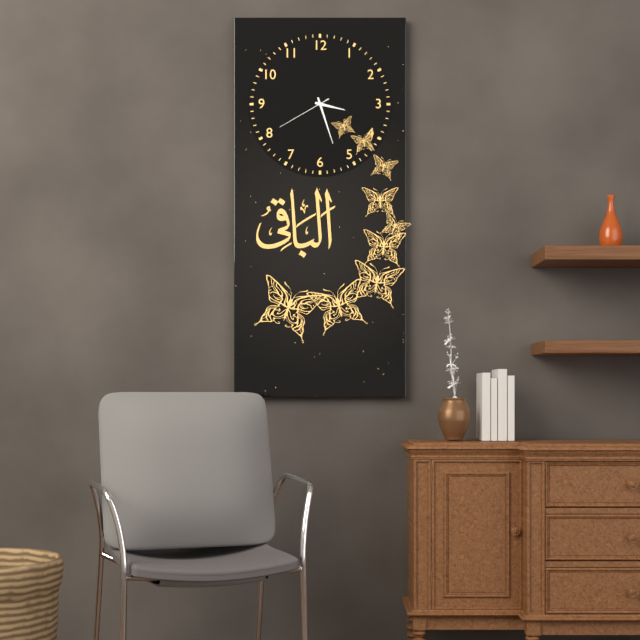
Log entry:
h=3 m=27 s=40
